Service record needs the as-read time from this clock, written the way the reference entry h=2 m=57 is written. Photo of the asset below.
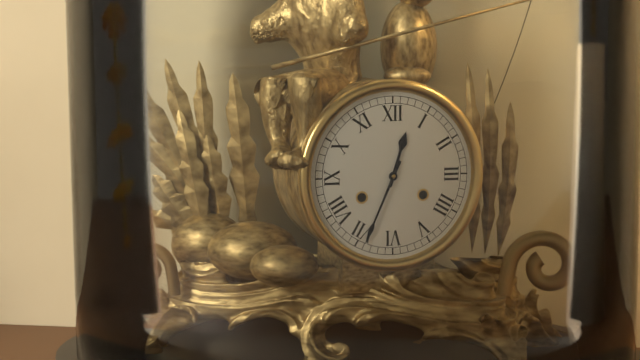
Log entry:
h=12 m=34
